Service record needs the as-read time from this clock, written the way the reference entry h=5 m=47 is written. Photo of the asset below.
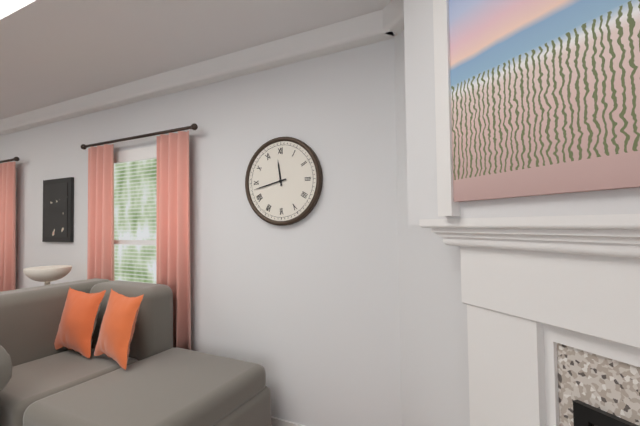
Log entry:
h=11 m=43
